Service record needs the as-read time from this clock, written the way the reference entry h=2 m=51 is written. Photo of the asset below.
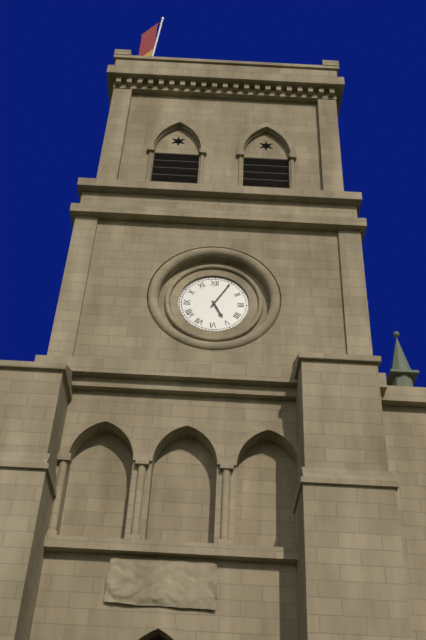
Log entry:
h=5 m=5
